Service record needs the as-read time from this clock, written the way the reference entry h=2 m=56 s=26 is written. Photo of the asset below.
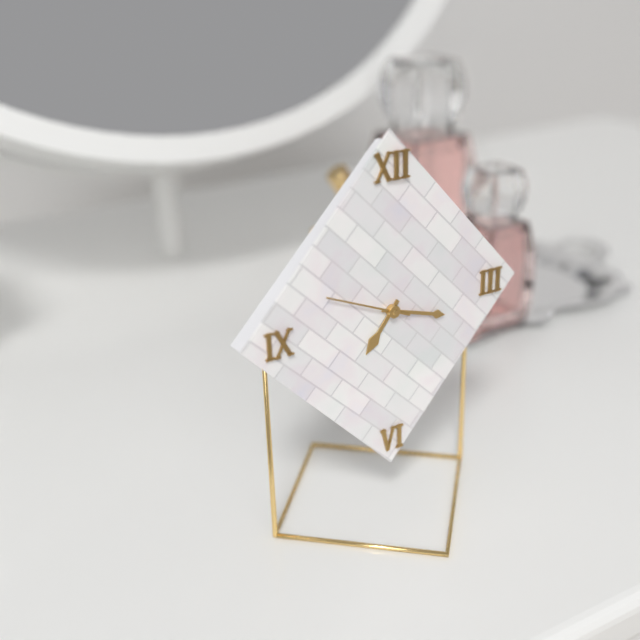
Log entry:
h=7 m=18 s=49
